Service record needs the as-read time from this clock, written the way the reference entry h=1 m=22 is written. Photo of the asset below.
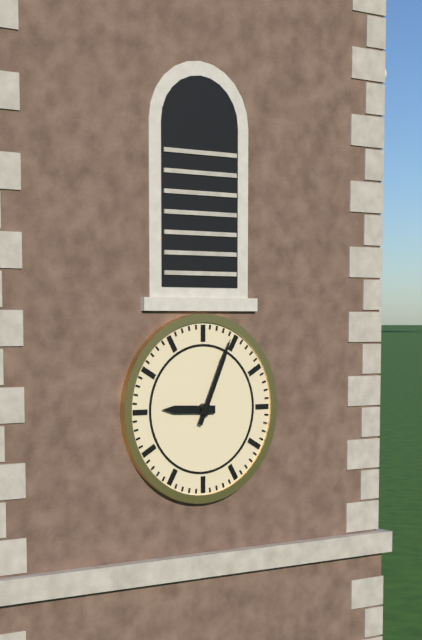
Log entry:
h=9 m=4
